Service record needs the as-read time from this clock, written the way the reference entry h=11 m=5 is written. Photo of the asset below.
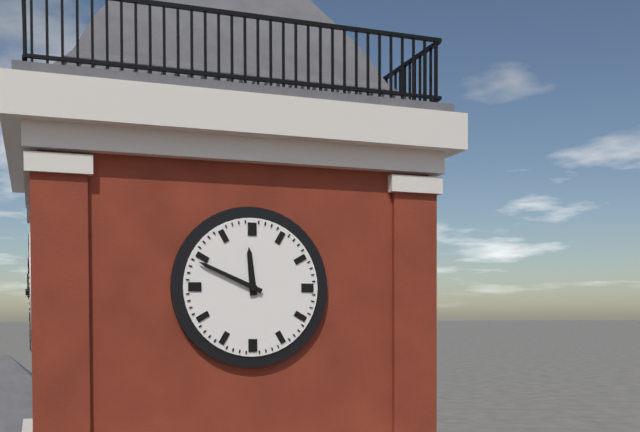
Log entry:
h=11 m=49
